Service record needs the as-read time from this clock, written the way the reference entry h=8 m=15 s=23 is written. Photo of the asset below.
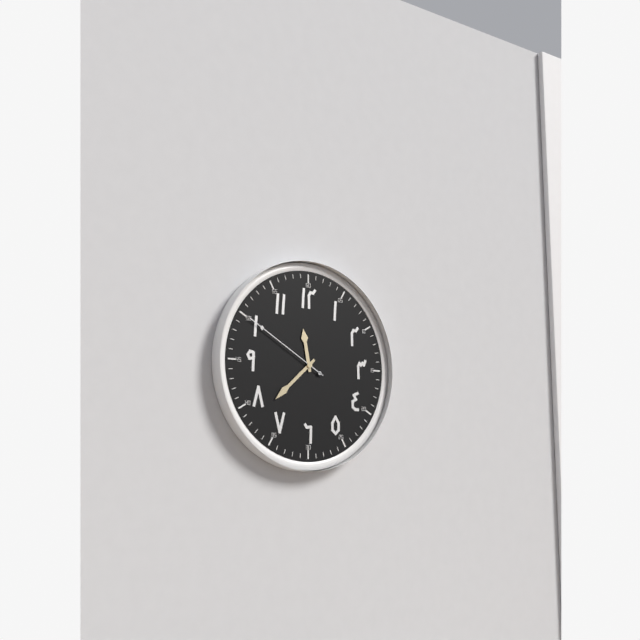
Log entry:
h=11 m=38 s=50
